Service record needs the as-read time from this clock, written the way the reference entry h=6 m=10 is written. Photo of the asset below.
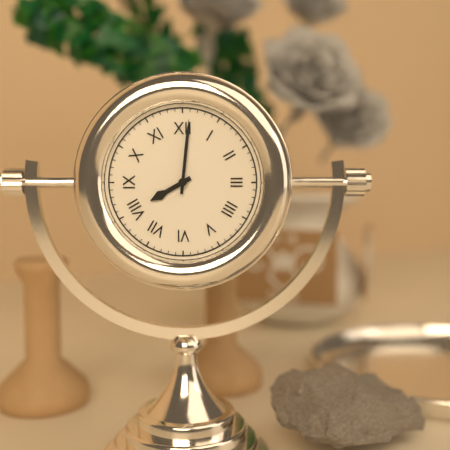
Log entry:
h=8 m=1
